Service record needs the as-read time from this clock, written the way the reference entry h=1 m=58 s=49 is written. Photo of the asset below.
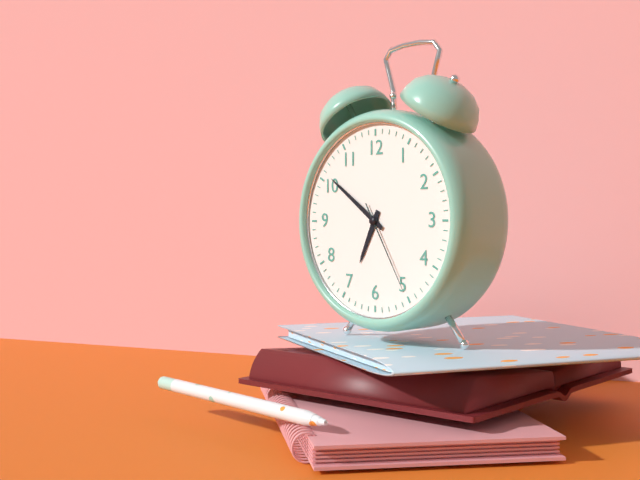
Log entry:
h=6 m=51 s=25
